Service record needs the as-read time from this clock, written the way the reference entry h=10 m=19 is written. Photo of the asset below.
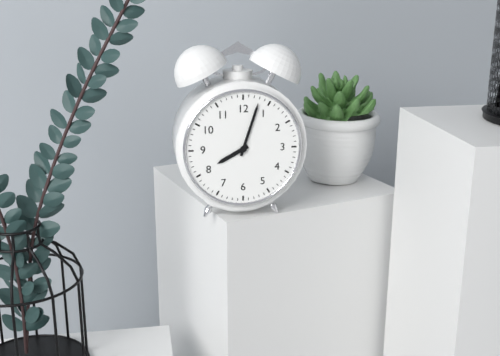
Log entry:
h=8 m=3
